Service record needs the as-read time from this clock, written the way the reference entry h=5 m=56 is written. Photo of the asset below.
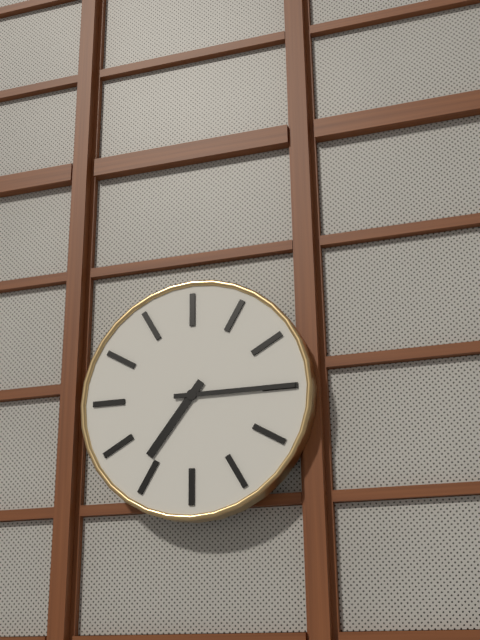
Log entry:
h=7 m=15
